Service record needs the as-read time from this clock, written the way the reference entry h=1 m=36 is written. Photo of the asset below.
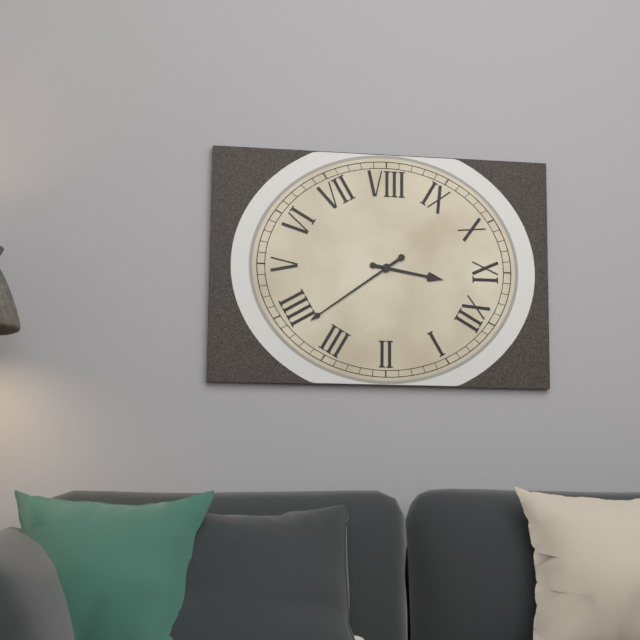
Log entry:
h=11 m=19
